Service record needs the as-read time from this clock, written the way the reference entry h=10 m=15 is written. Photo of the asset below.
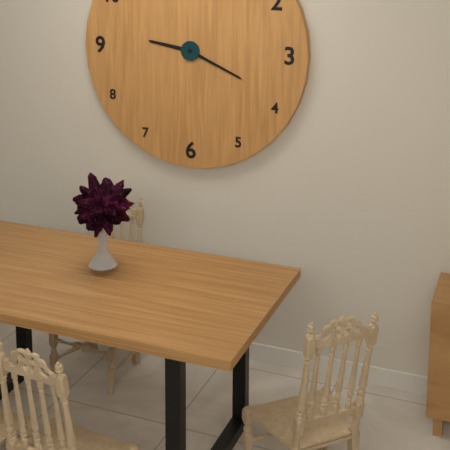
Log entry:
h=9 m=19
